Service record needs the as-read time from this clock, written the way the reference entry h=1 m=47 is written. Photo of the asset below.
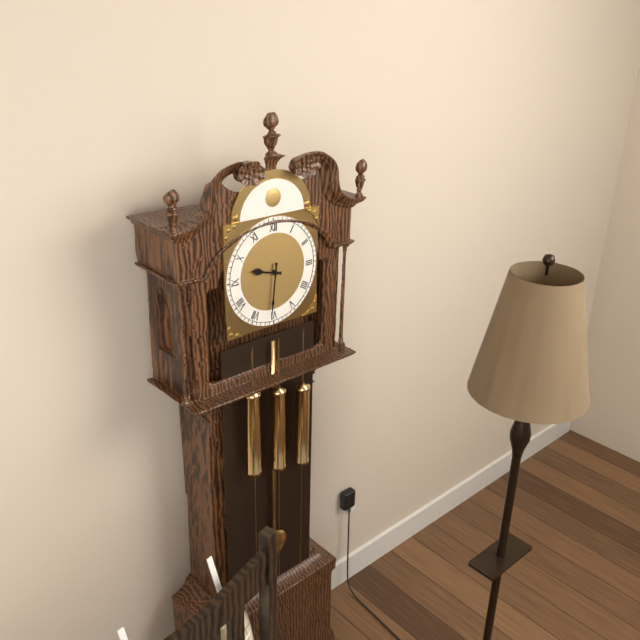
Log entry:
h=9 m=31
